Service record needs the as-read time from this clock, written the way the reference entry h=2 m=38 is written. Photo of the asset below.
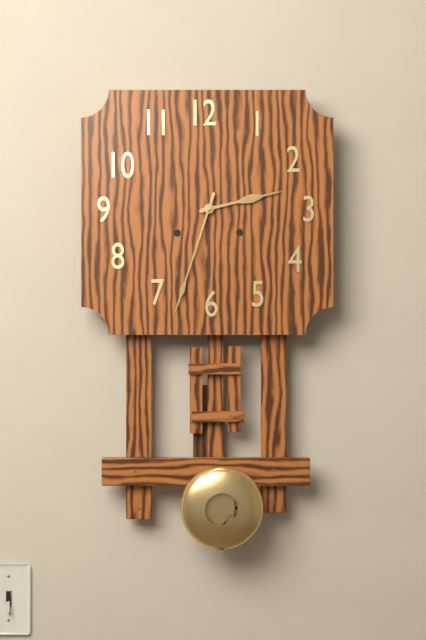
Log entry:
h=2 m=33
